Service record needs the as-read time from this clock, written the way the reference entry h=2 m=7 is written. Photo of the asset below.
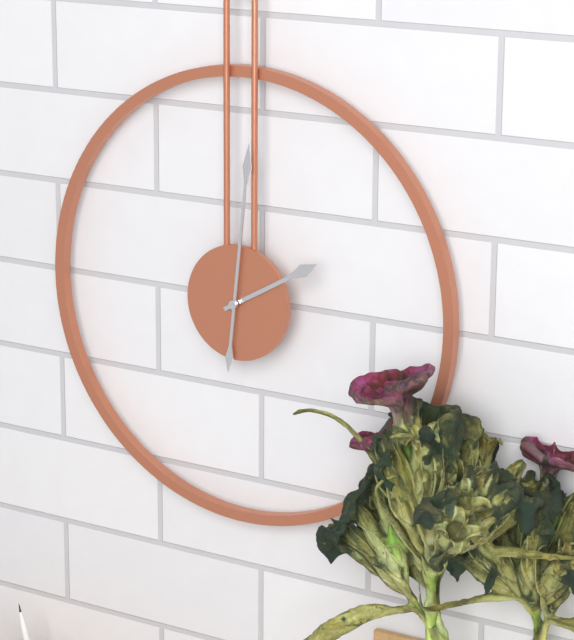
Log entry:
h=2 m=1
